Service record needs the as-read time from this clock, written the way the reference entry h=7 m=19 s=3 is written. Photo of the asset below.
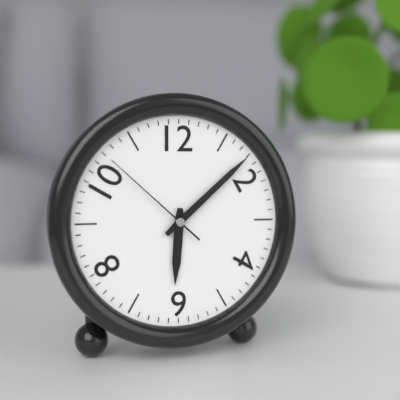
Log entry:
h=6 m=8 s=52
